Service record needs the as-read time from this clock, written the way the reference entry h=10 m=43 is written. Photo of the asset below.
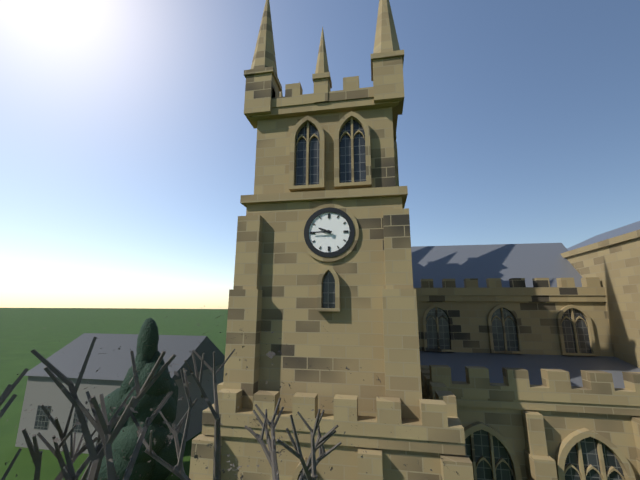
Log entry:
h=9 m=45
